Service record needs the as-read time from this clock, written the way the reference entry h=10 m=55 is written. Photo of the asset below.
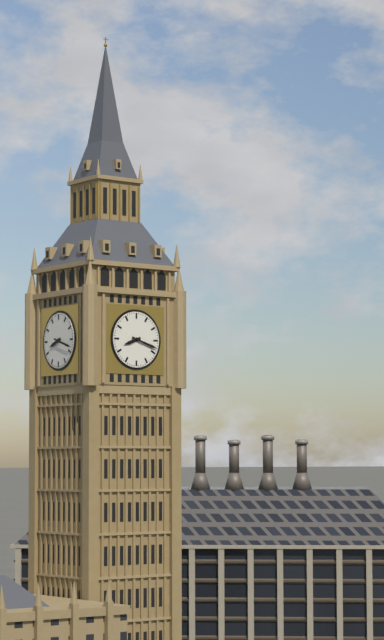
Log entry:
h=8 m=18
